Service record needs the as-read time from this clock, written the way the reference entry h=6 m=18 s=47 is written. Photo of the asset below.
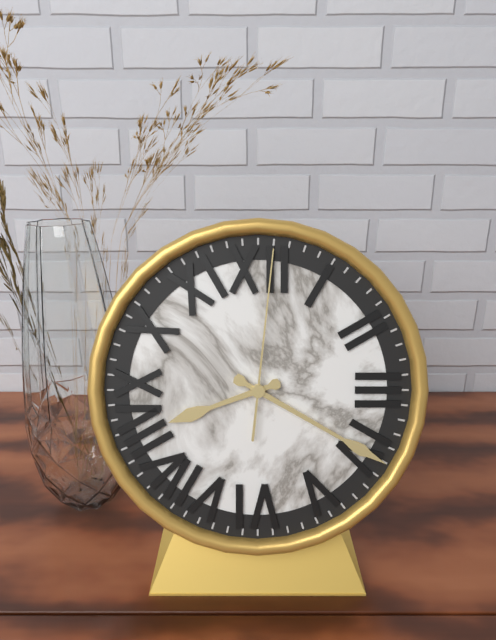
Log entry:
h=8 m=20 s=1
